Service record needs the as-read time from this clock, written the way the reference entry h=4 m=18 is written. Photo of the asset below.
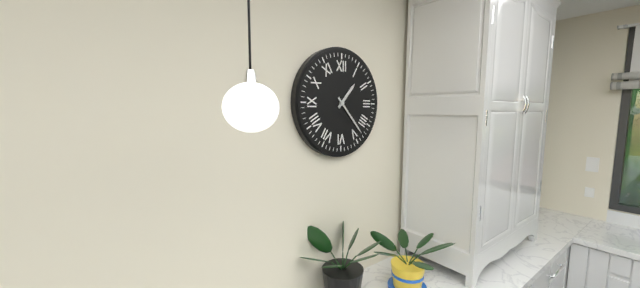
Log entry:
h=1 m=23
